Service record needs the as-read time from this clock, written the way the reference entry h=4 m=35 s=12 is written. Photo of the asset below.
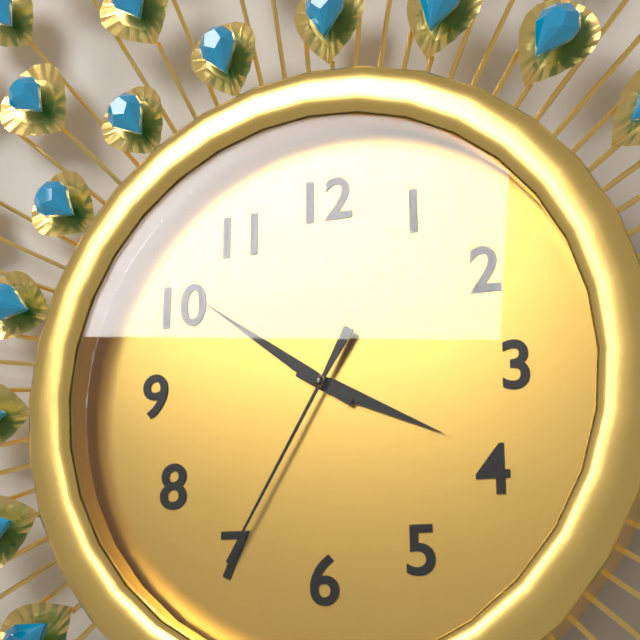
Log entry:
h=3 m=51 s=35
